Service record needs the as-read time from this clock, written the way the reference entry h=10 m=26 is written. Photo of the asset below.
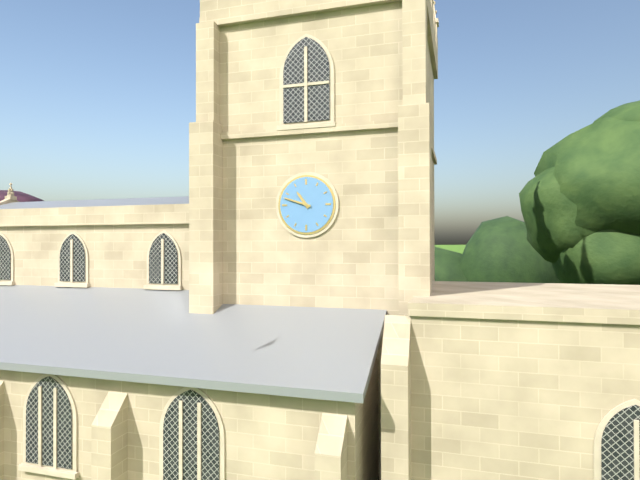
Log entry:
h=10 m=48
